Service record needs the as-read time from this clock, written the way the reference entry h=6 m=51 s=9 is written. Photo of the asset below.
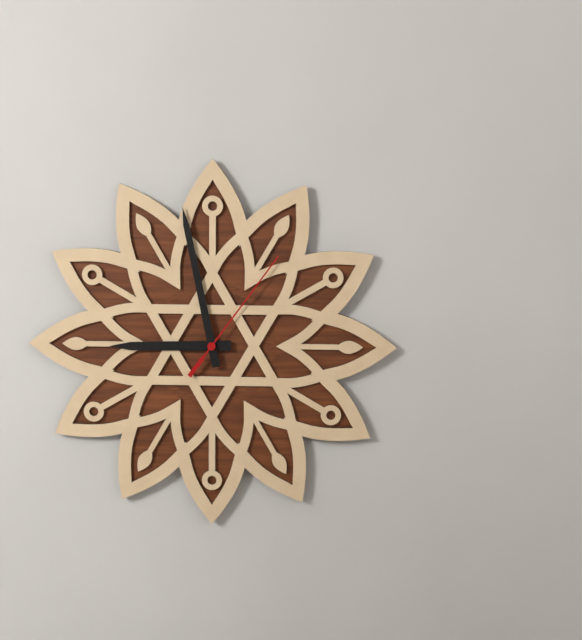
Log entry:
h=8 m=58 s=6
